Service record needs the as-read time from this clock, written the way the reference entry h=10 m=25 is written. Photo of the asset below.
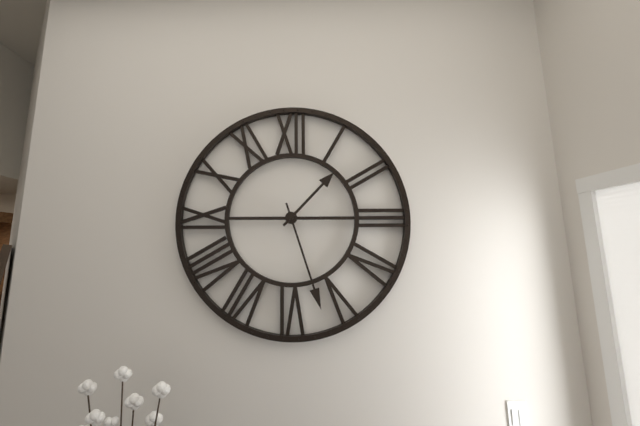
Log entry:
h=1 m=27
